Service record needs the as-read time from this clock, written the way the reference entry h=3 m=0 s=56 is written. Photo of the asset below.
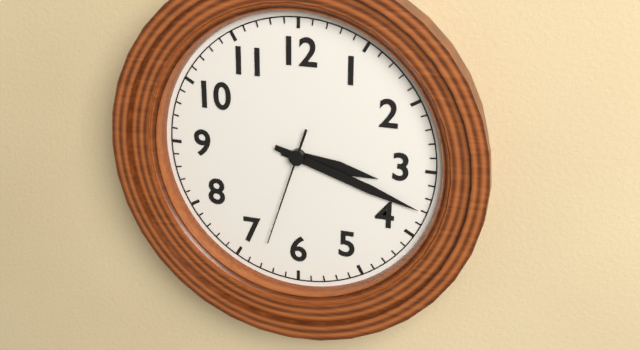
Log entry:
h=3 m=18 s=33
